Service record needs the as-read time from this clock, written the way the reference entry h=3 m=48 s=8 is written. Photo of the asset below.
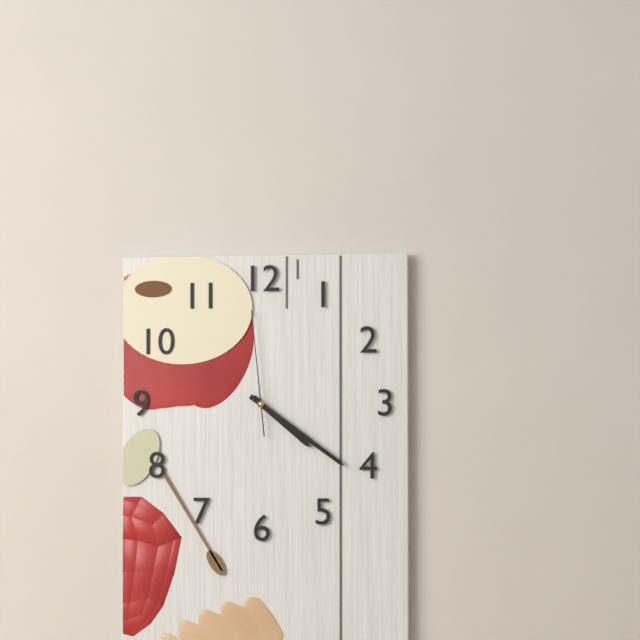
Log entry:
h=4 m=21 s=59
